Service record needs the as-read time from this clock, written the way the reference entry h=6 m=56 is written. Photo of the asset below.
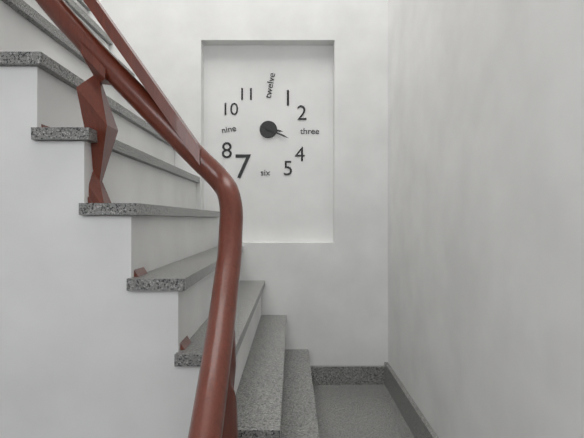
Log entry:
h=3 m=19
